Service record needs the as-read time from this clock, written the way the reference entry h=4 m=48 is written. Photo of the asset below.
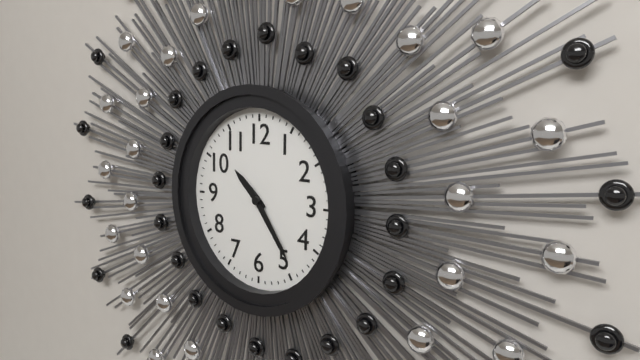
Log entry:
h=10 m=24
